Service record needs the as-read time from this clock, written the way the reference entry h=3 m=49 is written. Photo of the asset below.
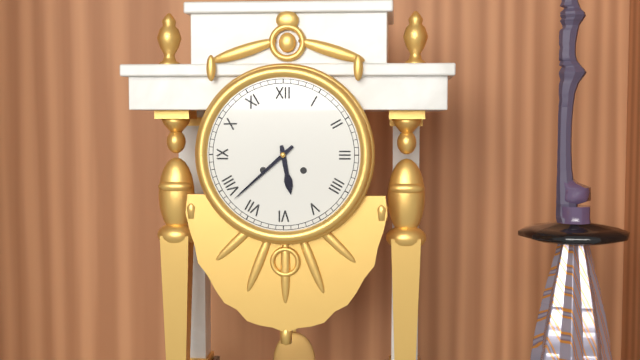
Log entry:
h=5 m=38
